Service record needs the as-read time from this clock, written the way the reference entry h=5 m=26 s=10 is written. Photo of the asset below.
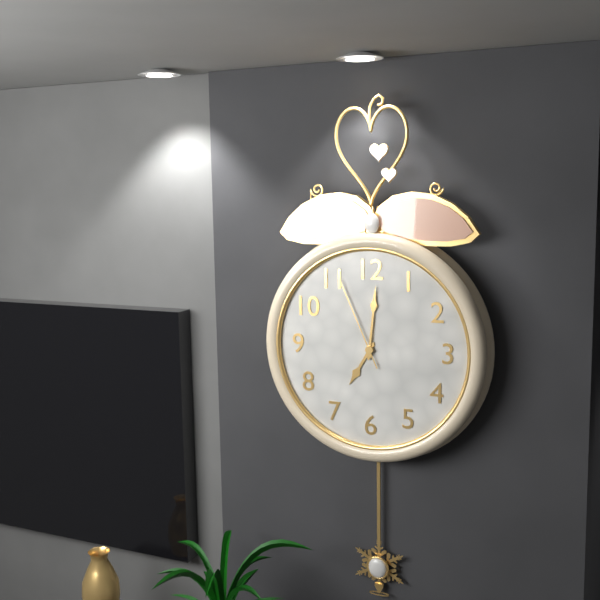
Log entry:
h=7 m=1 s=56
